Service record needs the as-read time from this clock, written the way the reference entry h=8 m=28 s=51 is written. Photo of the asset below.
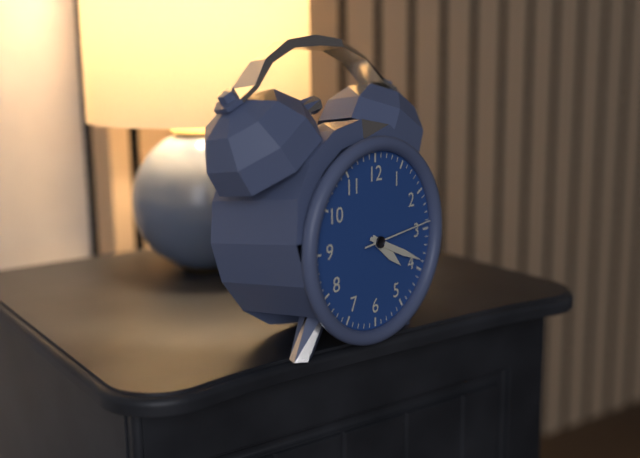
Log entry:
h=4 m=19 s=14
